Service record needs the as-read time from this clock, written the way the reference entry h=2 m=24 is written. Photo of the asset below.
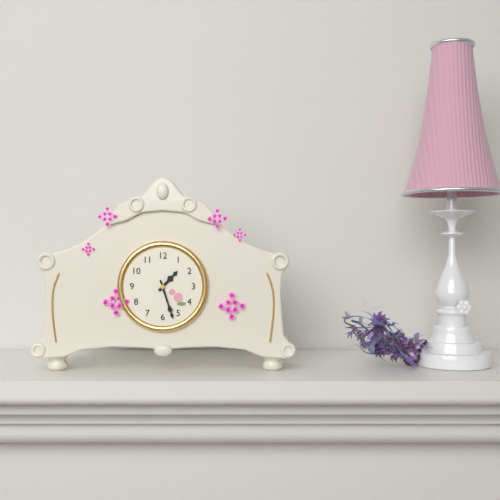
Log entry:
h=1 m=27
